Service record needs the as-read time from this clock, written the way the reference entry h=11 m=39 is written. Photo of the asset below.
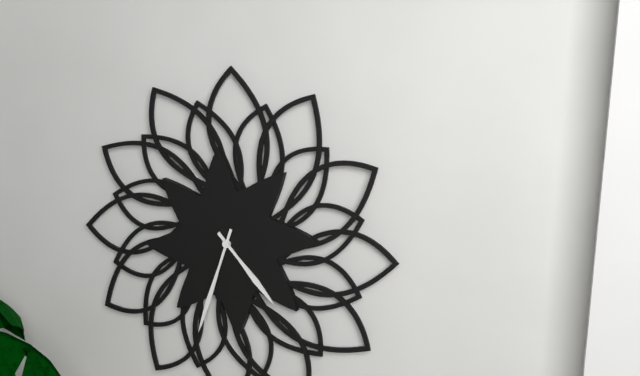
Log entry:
h=4 m=33
